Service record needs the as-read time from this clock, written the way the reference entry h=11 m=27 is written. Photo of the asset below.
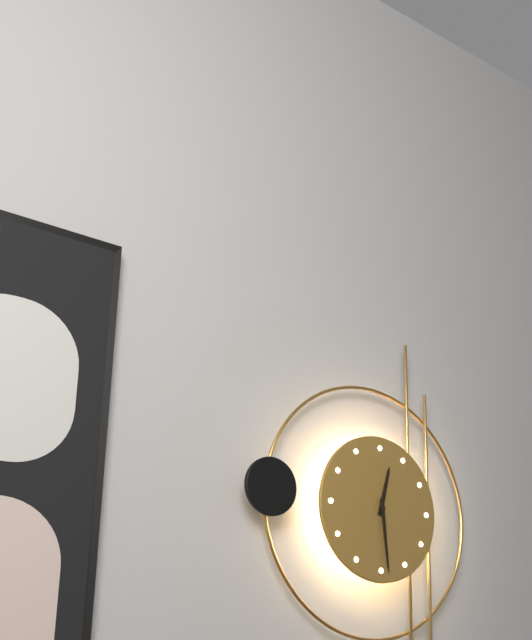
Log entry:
h=12 m=29
